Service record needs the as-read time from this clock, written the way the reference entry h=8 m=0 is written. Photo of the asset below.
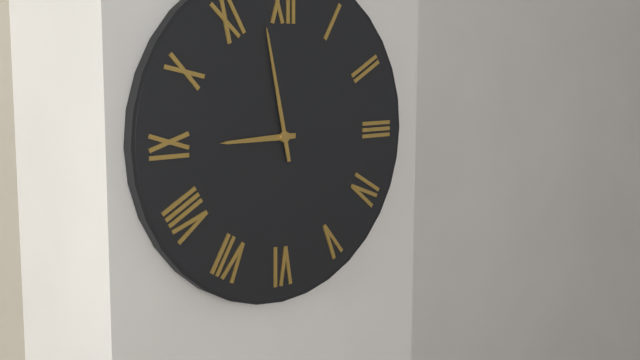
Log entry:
h=8 m=58
